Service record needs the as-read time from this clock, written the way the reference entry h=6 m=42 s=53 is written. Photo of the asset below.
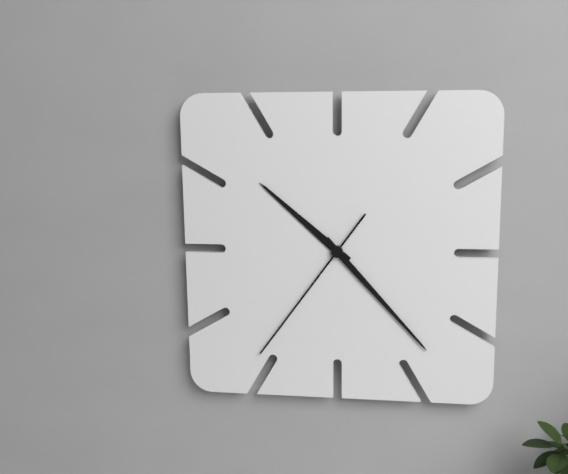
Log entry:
h=10 m=23 s=36
